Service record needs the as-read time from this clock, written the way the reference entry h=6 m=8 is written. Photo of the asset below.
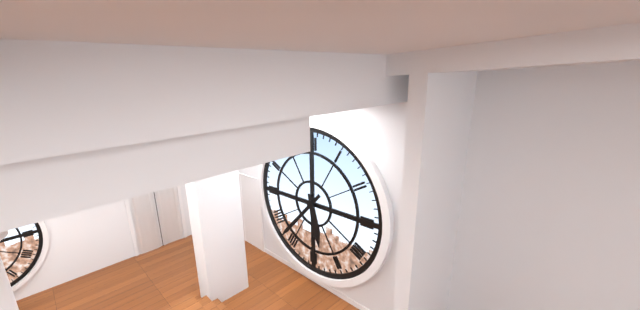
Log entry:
h=5 m=37
